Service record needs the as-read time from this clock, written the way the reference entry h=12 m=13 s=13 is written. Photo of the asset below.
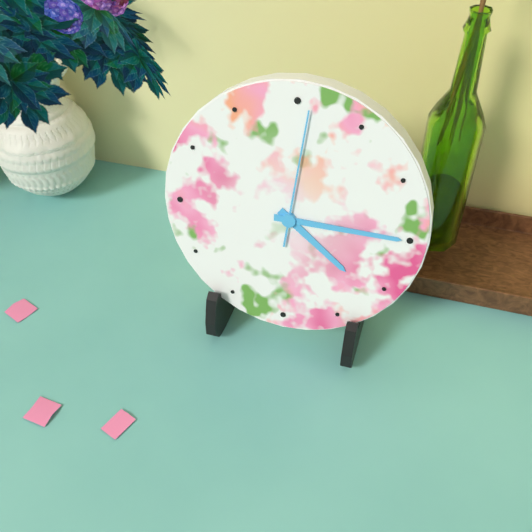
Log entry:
h=4 m=15 s=1
